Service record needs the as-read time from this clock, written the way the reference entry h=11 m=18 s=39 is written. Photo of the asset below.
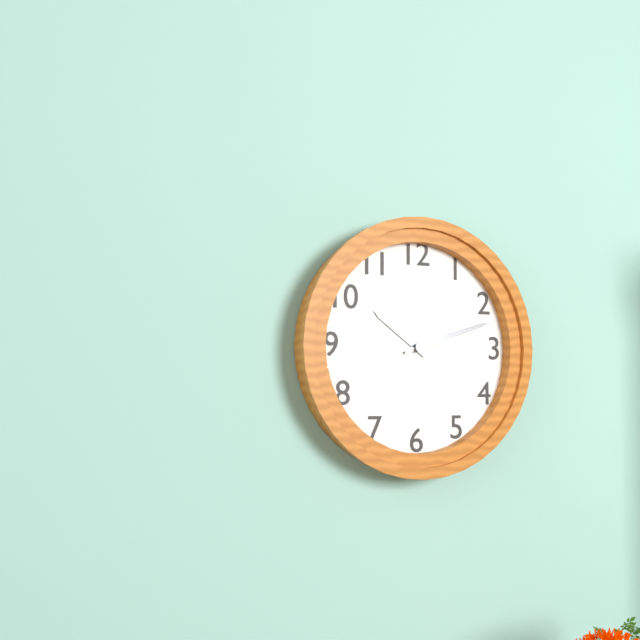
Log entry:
h=10 m=12 s=43
